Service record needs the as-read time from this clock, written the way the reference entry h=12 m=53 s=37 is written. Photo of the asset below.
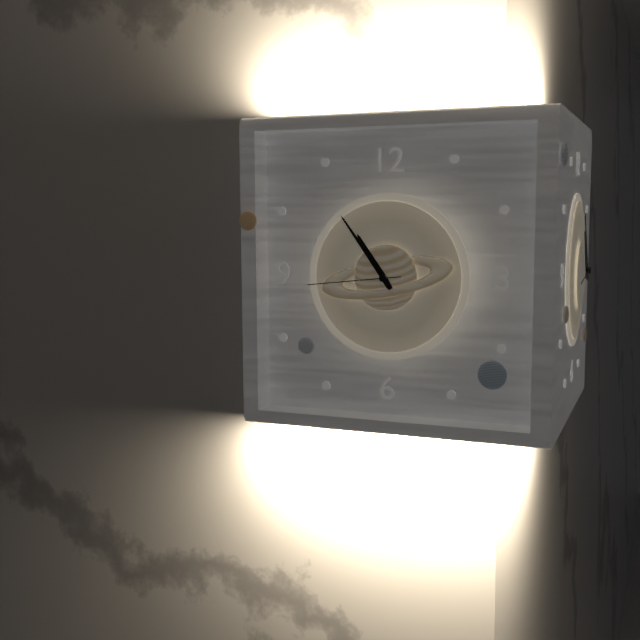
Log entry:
h=10 m=54 s=44
